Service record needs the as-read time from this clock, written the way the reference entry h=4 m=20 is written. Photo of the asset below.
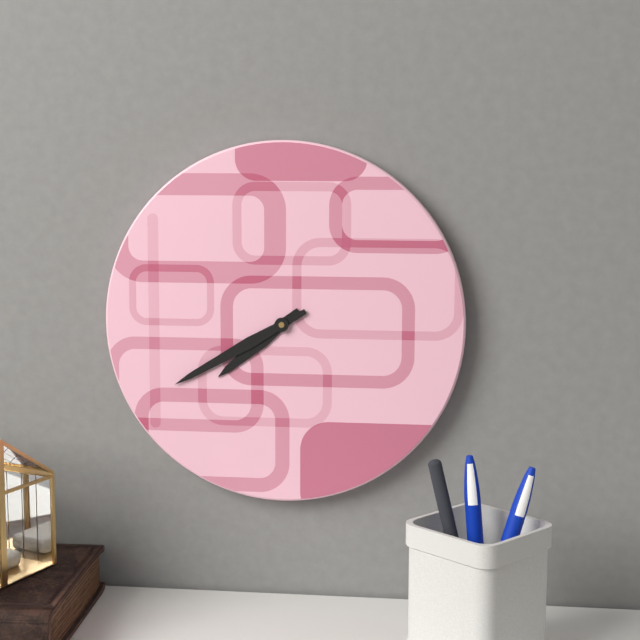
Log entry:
h=7 m=40
